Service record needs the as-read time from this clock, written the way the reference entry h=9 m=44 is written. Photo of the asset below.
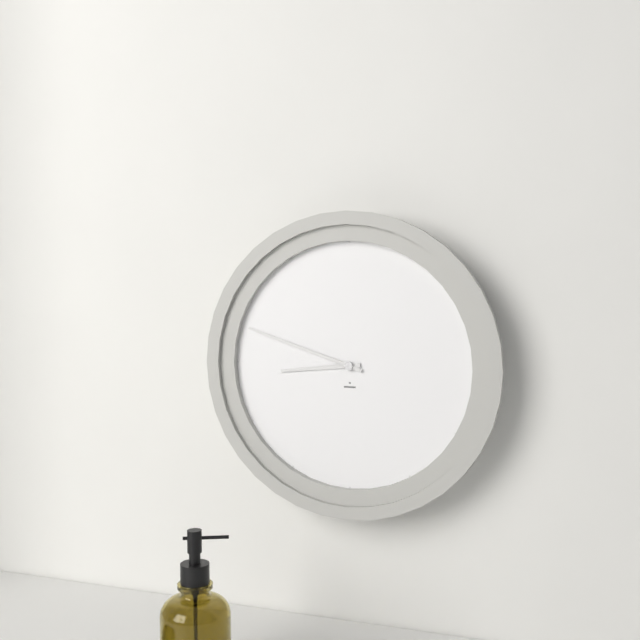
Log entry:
h=8 m=48
